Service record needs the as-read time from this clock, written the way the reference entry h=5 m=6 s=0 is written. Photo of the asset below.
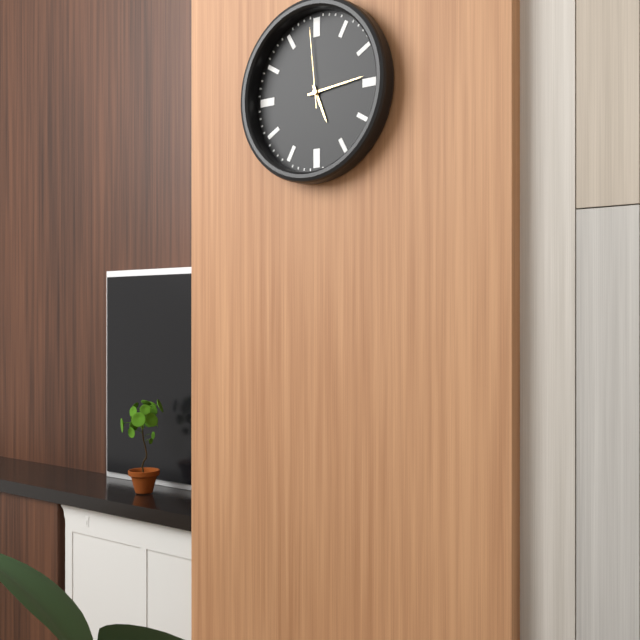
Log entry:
h=5 m=14 s=59
